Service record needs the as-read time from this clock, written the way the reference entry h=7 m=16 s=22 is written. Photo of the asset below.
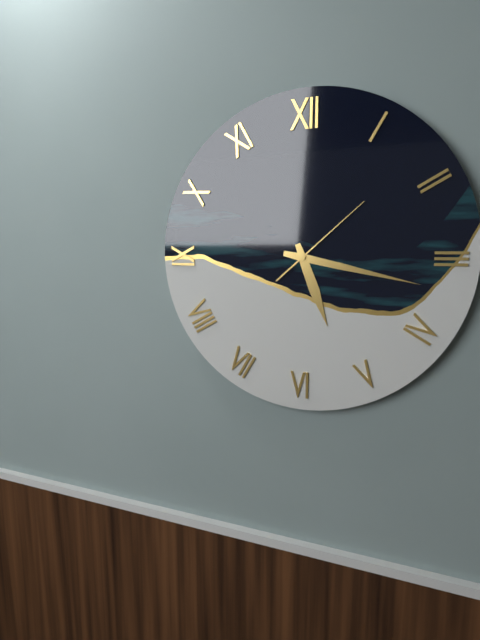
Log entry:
h=5 m=17 s=8
